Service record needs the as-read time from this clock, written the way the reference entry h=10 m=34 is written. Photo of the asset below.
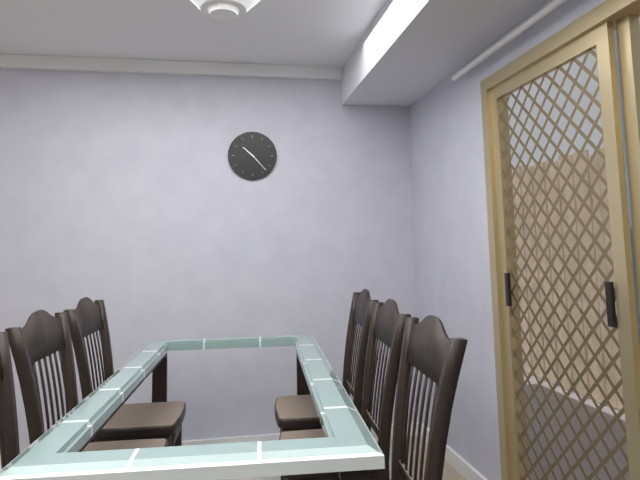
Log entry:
h=10 m=23
